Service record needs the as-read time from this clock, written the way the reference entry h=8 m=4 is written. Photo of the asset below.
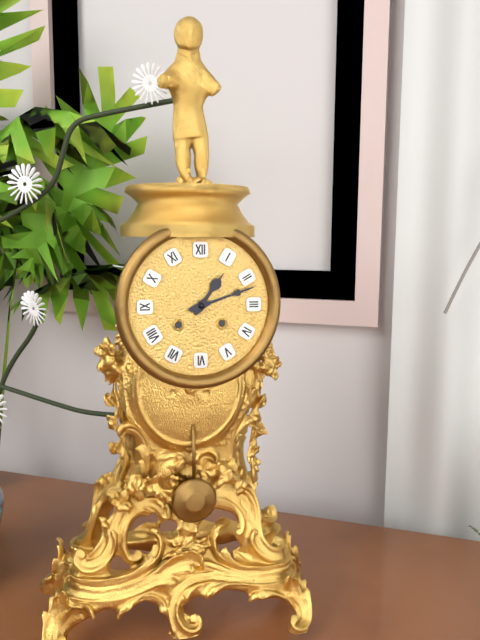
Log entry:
h=1 m=12
